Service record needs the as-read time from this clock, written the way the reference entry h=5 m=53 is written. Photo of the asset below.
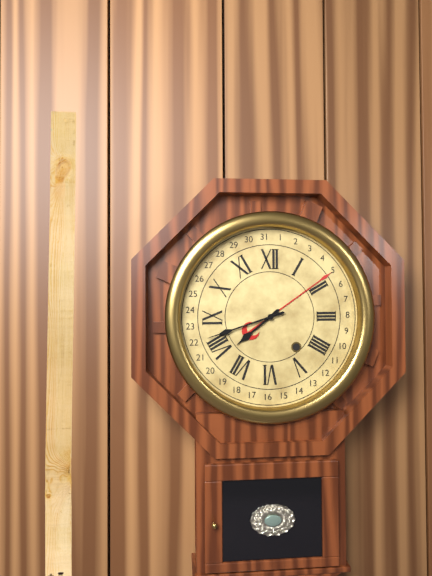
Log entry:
h=7 m=42
